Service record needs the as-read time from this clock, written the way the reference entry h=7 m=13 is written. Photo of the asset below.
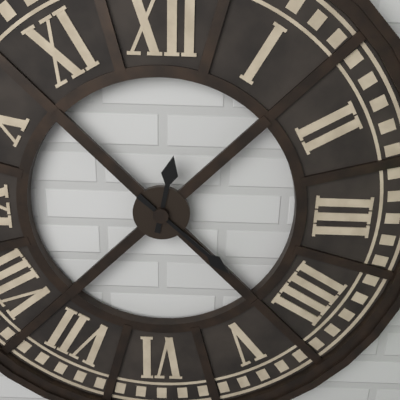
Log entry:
h=12 m=22
